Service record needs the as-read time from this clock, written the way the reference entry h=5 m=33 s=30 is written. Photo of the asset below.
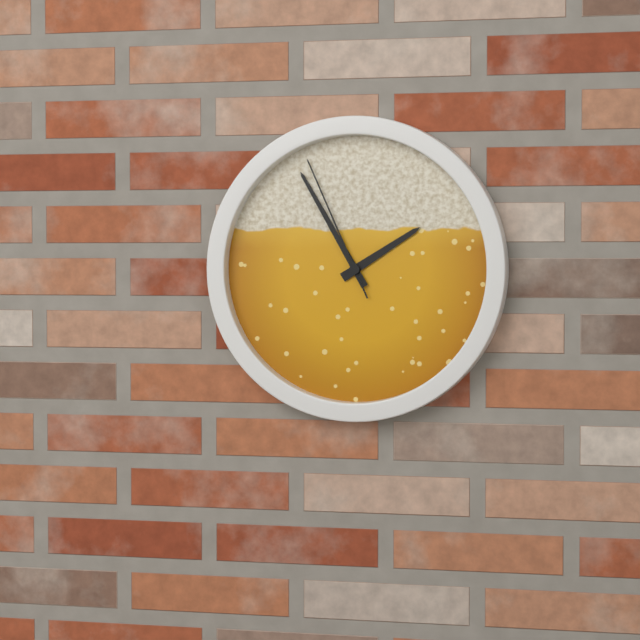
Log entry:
h=1 m=55 s=56
